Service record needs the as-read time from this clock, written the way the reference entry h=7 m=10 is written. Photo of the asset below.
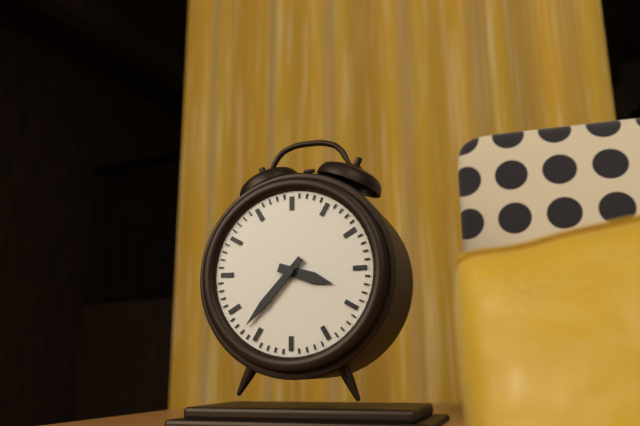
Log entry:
h=3 m=37
